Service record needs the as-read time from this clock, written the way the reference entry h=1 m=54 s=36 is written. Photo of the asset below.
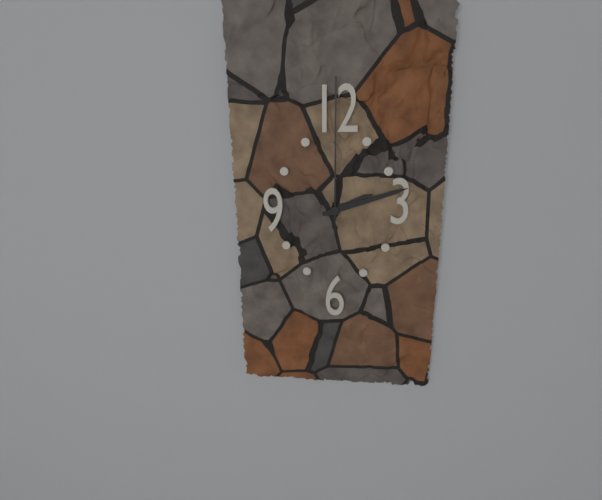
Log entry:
h=2 m=12 s=0
